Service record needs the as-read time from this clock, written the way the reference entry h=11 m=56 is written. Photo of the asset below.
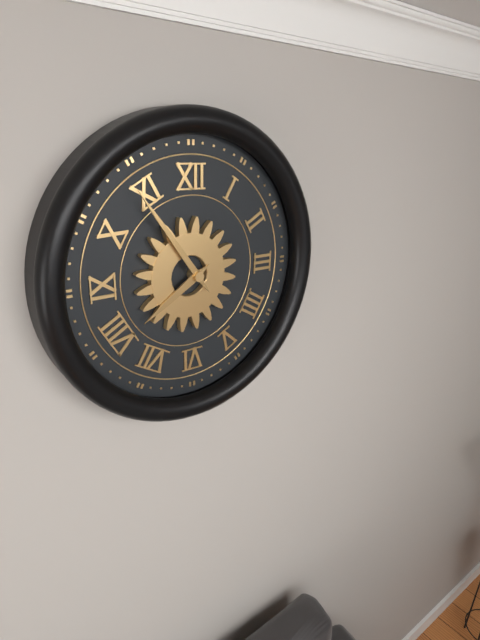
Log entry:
h=7 m=54
